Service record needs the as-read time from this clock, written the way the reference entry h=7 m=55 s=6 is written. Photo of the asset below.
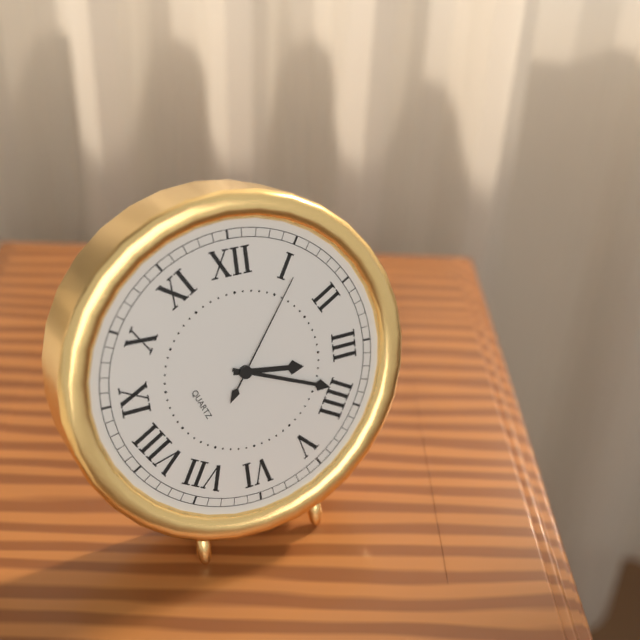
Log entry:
h=3 m=19 s=6
